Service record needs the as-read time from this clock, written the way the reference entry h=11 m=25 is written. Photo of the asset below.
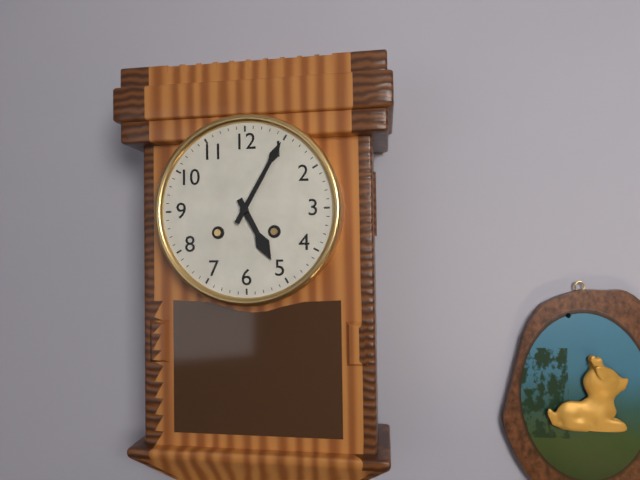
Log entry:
h=5 m=5
